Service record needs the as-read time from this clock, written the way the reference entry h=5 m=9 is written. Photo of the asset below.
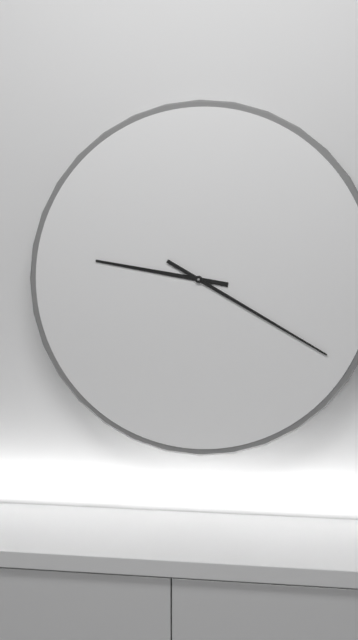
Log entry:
h=9 m=20
